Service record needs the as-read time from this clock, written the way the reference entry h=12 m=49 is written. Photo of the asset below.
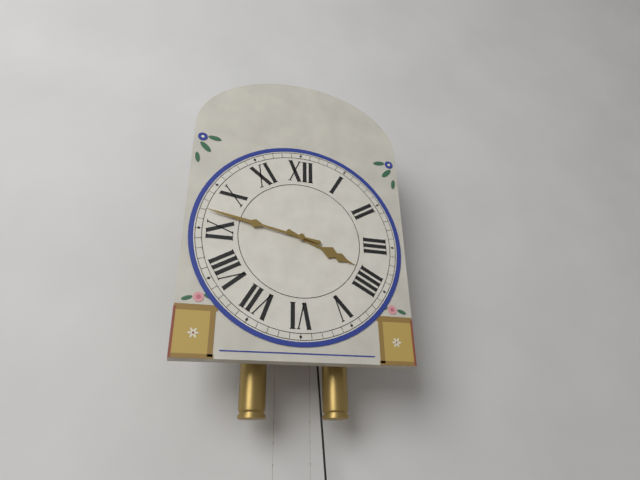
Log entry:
h=3 m=47
